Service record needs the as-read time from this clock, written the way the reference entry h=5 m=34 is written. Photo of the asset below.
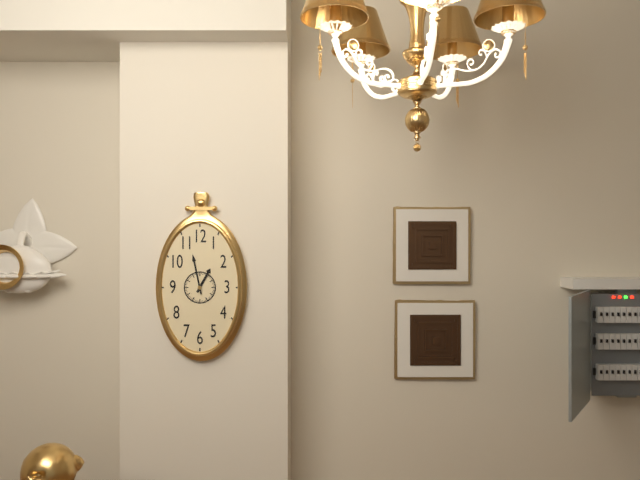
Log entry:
h=12 m=58
